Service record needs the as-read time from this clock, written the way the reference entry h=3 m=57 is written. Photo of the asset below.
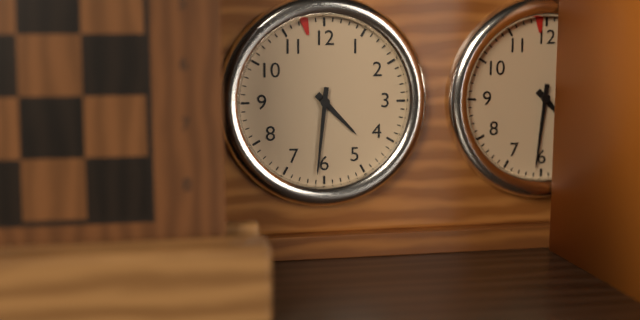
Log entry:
h=4 m=31
